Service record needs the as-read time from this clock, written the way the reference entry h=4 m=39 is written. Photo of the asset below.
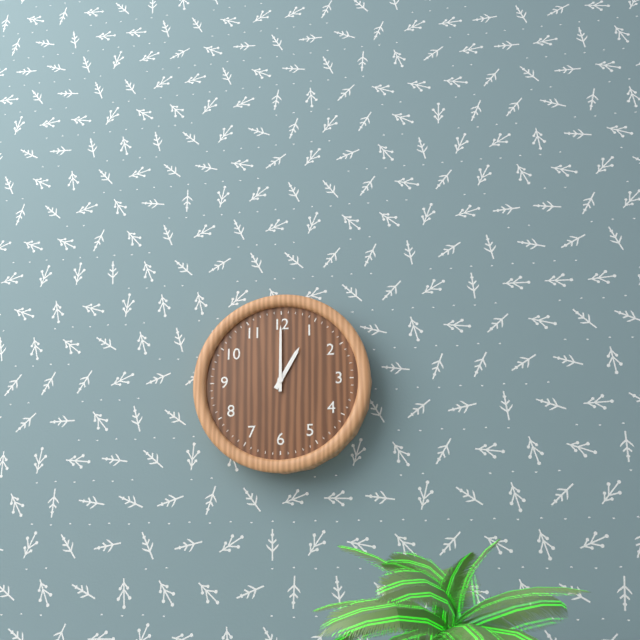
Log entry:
h=1 m=0
